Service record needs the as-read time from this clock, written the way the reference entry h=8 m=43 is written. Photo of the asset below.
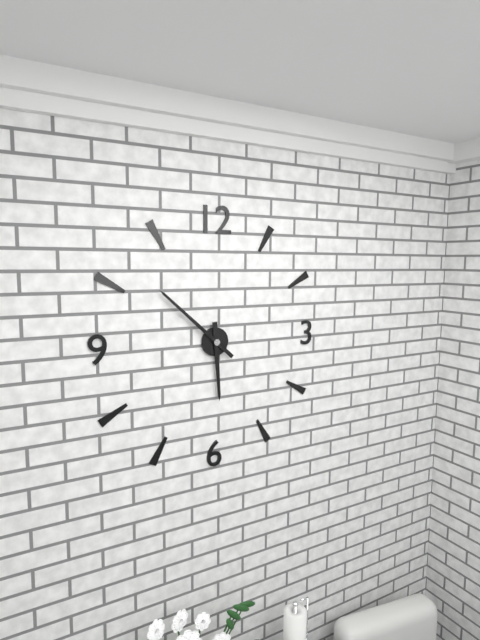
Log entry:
h=5 m=52
